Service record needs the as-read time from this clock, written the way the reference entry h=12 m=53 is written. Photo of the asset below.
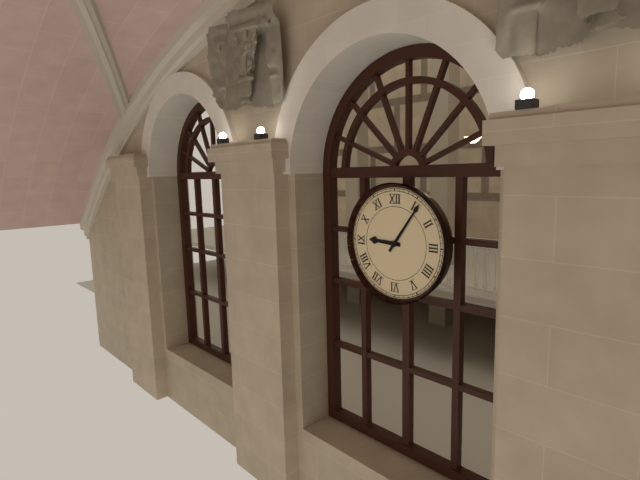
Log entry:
h=9 m=6
